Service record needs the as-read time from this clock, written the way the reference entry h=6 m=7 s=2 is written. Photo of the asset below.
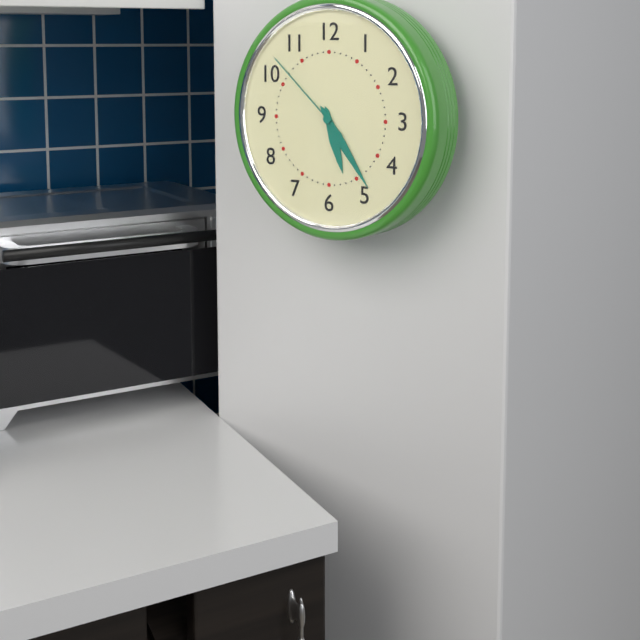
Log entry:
h=5 m=24 s=52
